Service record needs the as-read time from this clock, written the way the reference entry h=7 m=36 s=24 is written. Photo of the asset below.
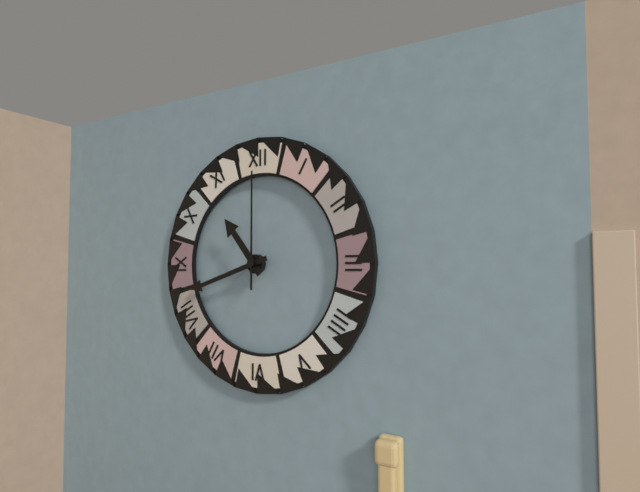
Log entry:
h=10 m=42 s=0
